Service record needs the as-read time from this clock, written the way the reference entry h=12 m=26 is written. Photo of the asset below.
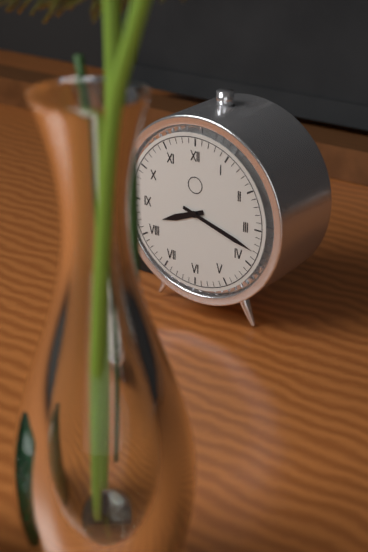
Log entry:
h=8 m=18
